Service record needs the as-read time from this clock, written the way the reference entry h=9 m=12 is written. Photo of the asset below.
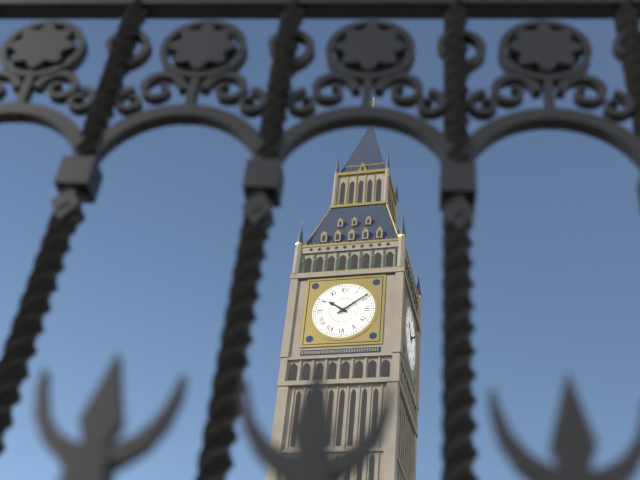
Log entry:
h=10 m=9
